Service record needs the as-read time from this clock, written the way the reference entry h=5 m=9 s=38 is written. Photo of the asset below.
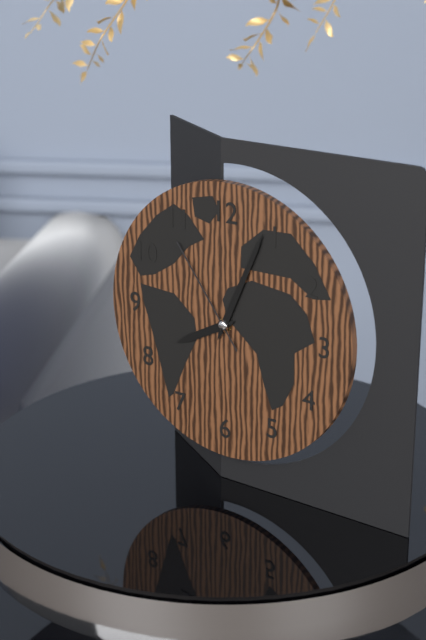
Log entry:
h=8 m=4 s=54
